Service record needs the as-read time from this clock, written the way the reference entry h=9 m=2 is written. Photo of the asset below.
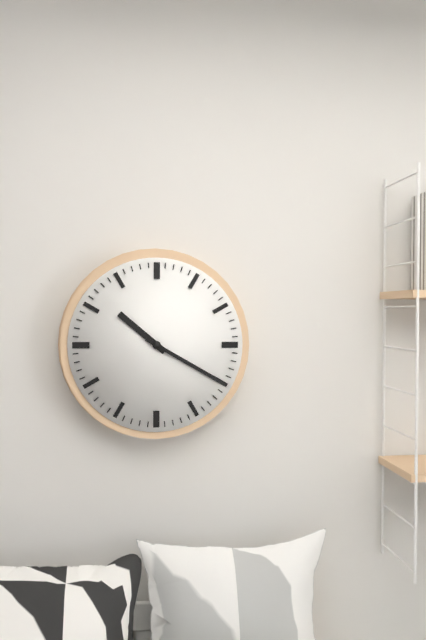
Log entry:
h=10 m=20
